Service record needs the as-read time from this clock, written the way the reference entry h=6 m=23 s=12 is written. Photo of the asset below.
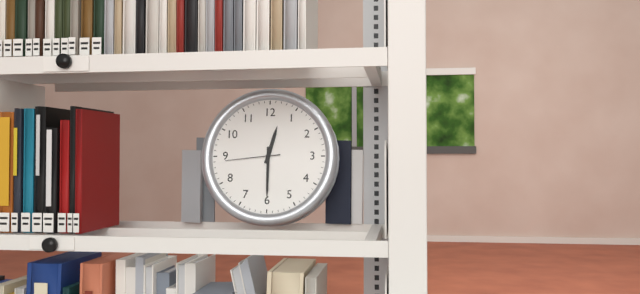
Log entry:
h=12 m=30 s=44
